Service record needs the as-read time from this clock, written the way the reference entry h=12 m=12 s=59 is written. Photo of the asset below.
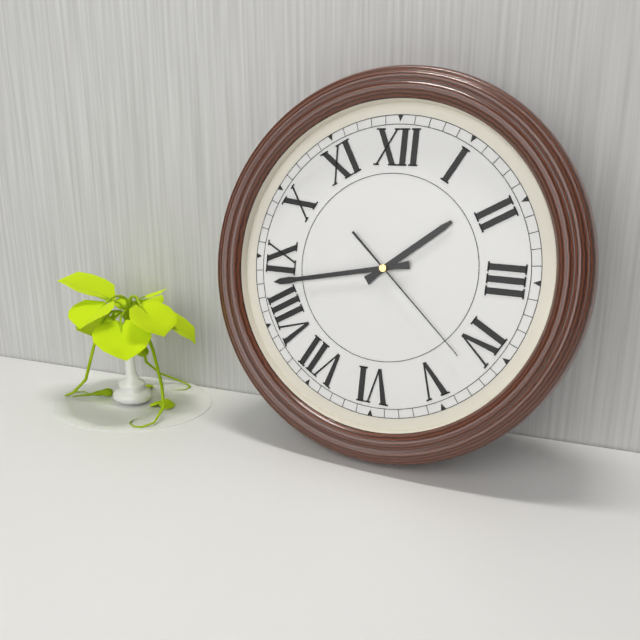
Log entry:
h=1 m=43 s=22
